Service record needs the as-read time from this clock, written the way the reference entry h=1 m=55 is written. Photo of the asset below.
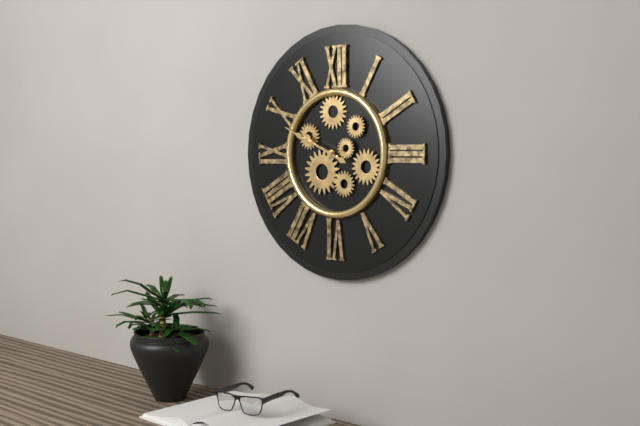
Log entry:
h=9 m=49
